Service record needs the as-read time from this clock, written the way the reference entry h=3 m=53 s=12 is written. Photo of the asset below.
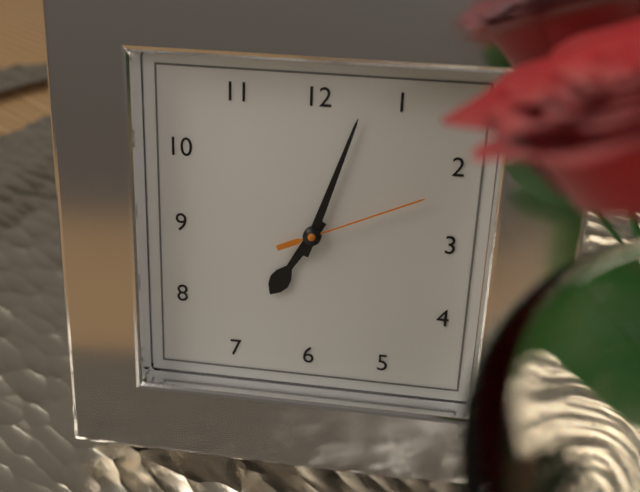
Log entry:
h=7 m=3 s=11
